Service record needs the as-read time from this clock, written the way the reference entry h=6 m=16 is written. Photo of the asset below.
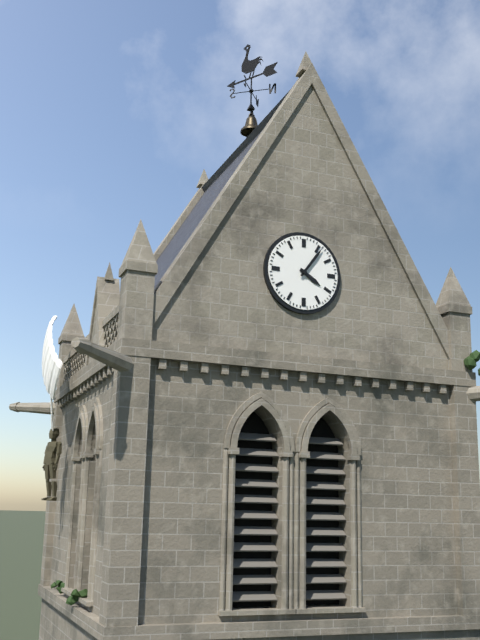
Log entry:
h=4 m=6
